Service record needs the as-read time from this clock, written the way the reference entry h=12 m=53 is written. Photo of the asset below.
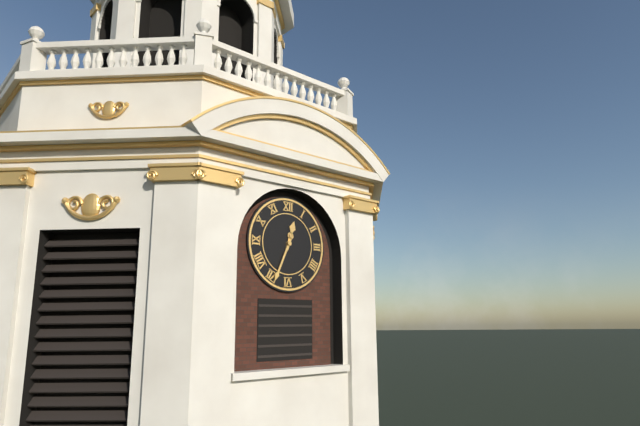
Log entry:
h=12 m=34
